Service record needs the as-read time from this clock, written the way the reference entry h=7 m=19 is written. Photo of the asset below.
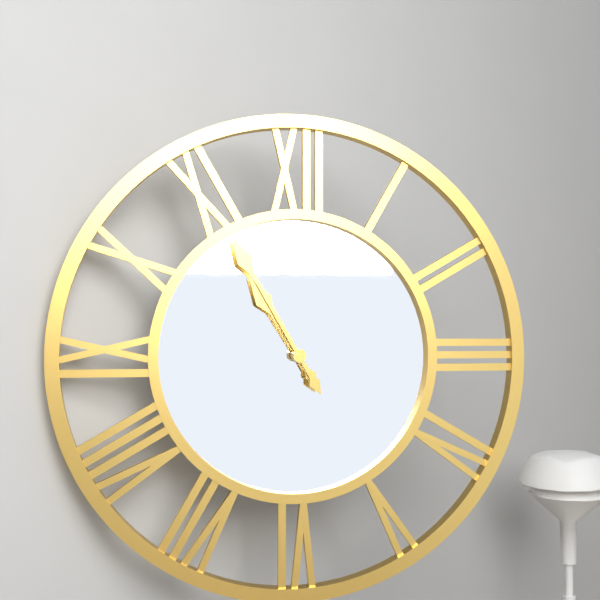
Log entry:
h=10 m=55
